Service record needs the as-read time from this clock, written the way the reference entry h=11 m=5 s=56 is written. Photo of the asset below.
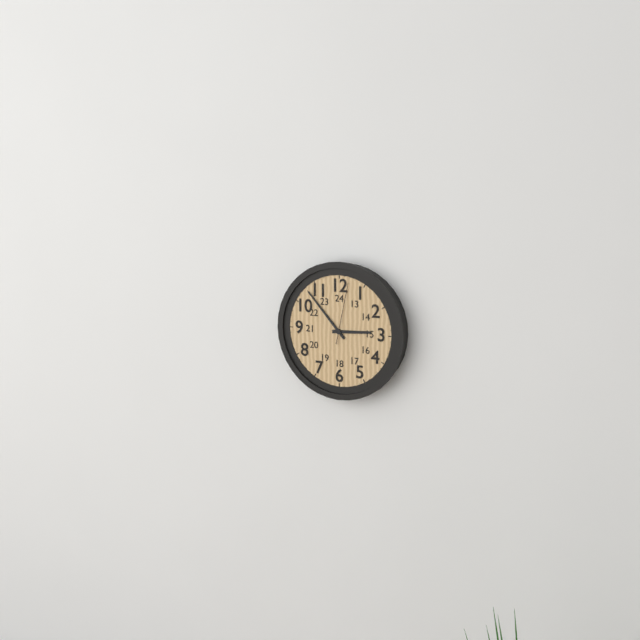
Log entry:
h=2 m=53 s=2
